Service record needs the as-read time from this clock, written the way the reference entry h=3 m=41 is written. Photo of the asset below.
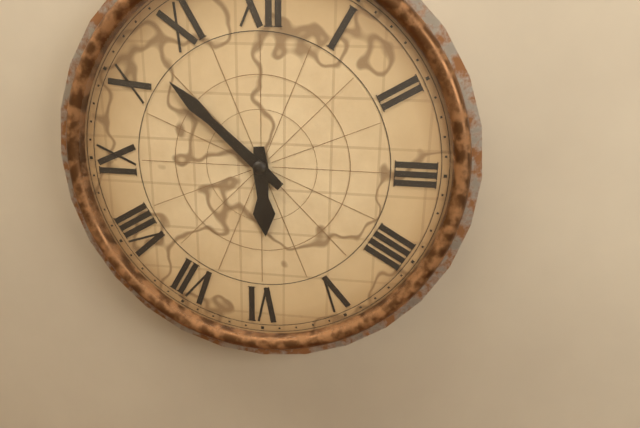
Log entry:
h=5 m=52
